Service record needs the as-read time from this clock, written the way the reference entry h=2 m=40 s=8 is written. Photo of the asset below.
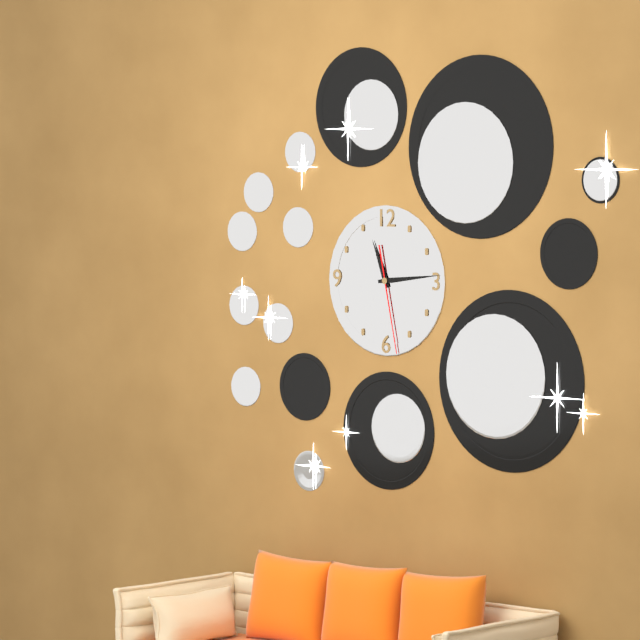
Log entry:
h=11 m=14 s=28
